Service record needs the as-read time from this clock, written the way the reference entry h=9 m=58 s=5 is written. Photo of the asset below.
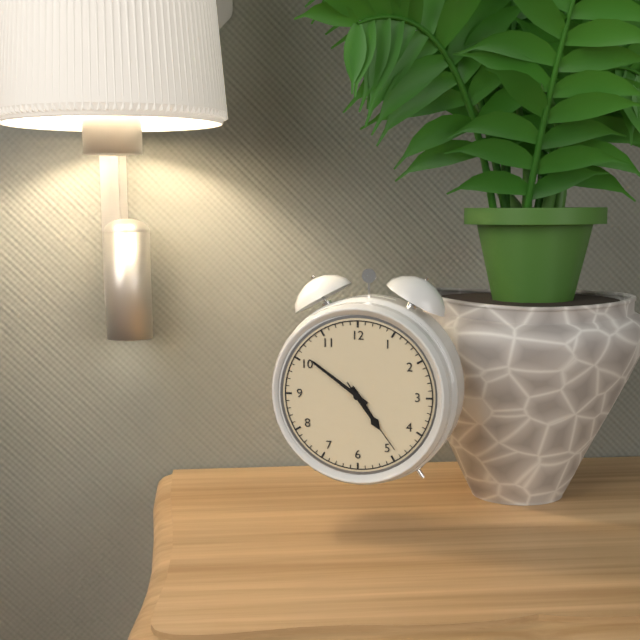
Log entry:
h=4 m=51 s=24
